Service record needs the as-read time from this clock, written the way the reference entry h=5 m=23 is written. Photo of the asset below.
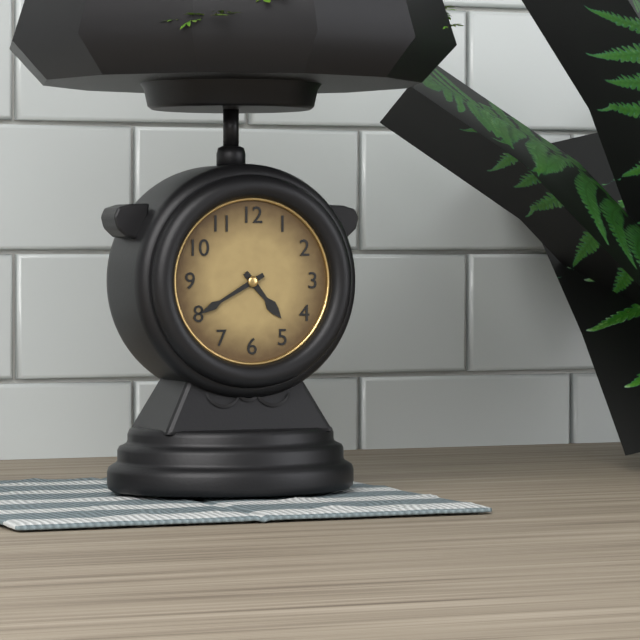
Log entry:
h=4 m=40
